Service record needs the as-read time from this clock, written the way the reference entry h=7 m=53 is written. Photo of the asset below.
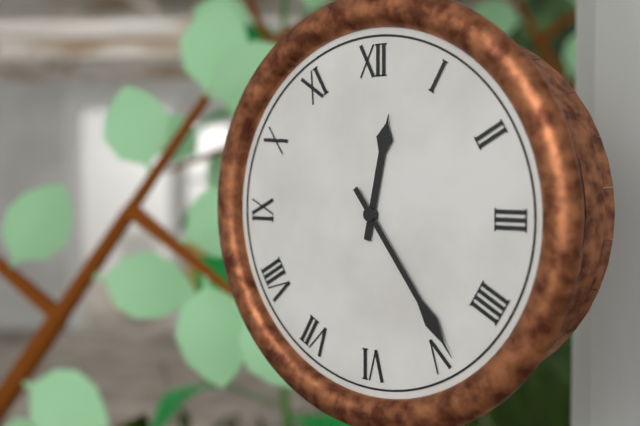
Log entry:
h=12 m=24
